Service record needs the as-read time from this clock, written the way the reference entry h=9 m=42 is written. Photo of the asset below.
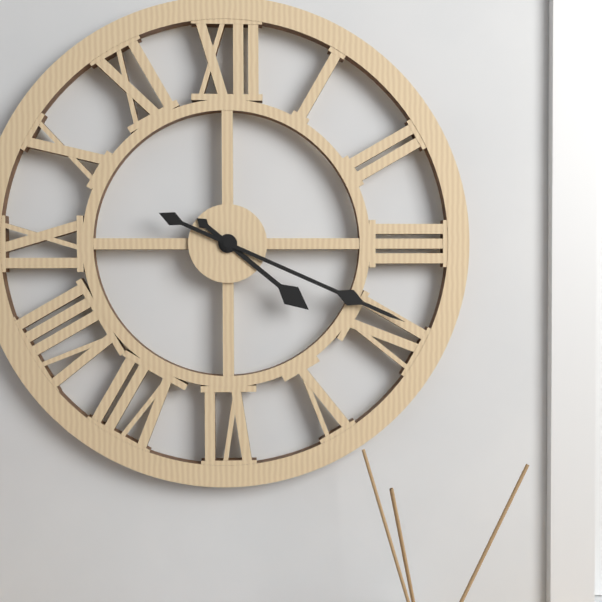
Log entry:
h=4 m=19
